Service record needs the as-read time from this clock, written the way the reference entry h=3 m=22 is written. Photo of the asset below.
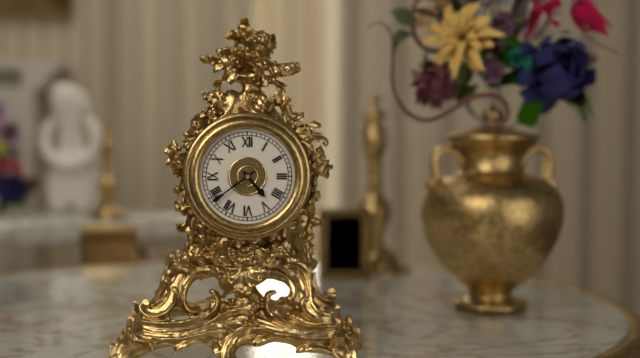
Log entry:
h=4 m=39
